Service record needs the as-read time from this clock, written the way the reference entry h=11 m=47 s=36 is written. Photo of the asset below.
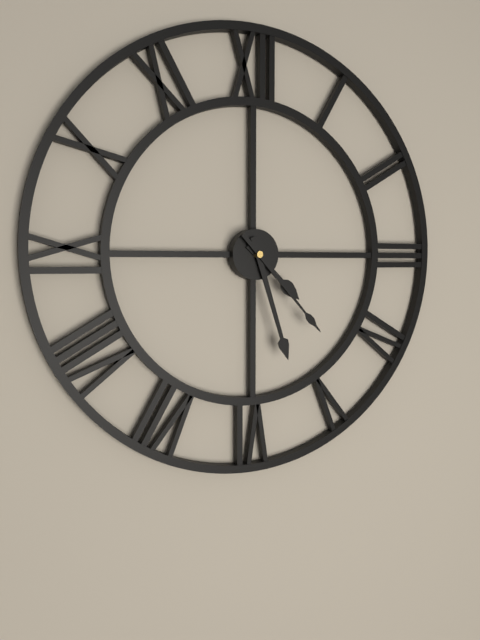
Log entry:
h=4 m=27 s=23
